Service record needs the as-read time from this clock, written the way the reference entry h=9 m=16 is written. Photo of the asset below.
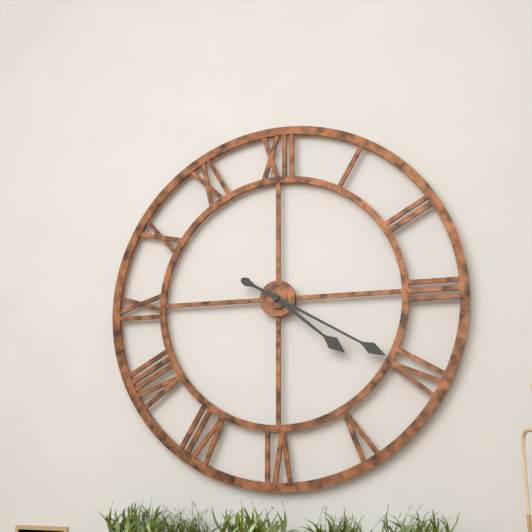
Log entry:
h=4 m=20
